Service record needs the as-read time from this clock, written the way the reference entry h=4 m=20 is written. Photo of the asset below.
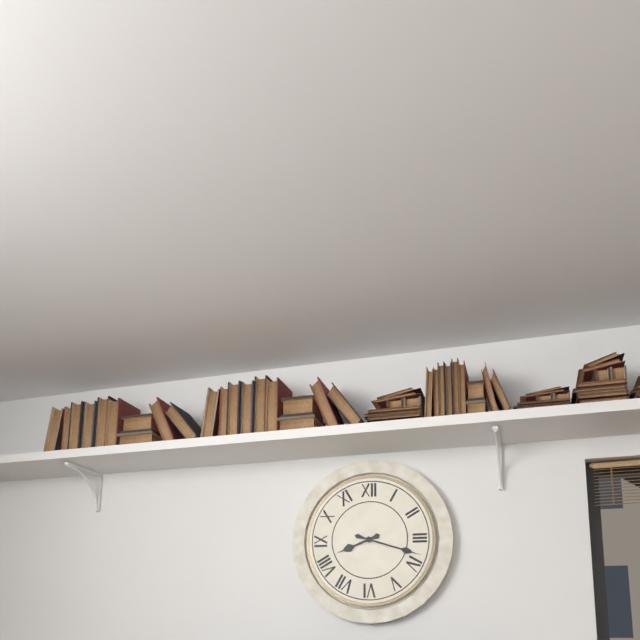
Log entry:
h=8 m=18
